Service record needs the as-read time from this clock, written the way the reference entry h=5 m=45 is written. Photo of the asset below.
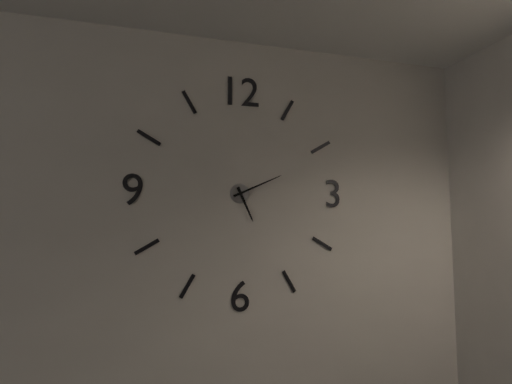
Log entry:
h=5 m=11
